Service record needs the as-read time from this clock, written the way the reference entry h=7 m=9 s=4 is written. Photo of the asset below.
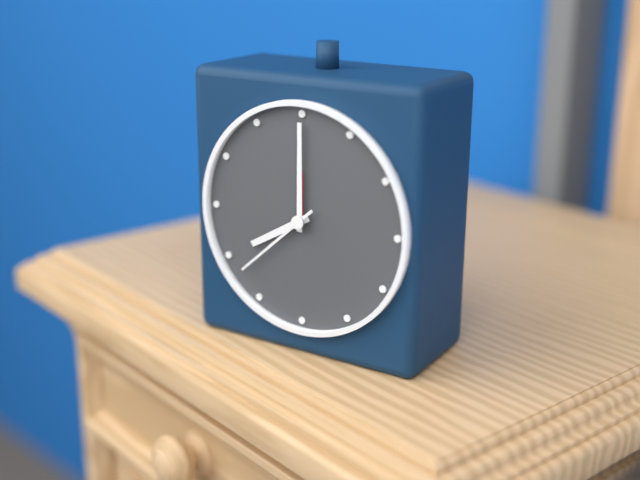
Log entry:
h=8 m=0 s=38
